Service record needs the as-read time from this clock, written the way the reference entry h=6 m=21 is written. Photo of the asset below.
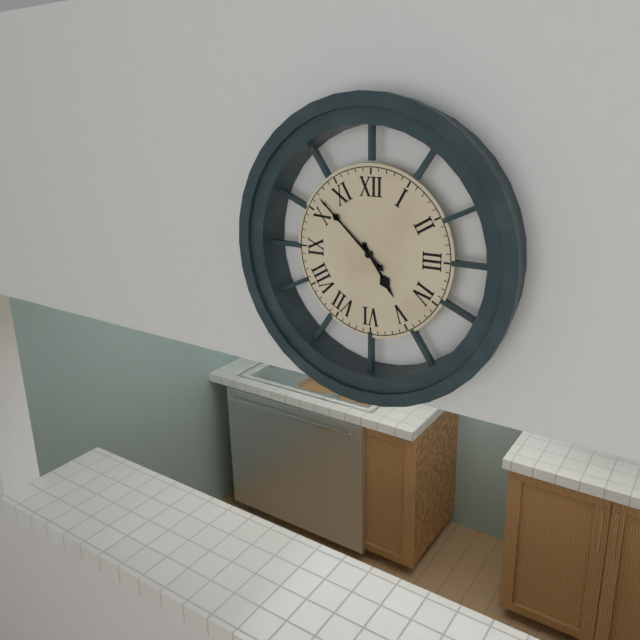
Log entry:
h=4 m=52
